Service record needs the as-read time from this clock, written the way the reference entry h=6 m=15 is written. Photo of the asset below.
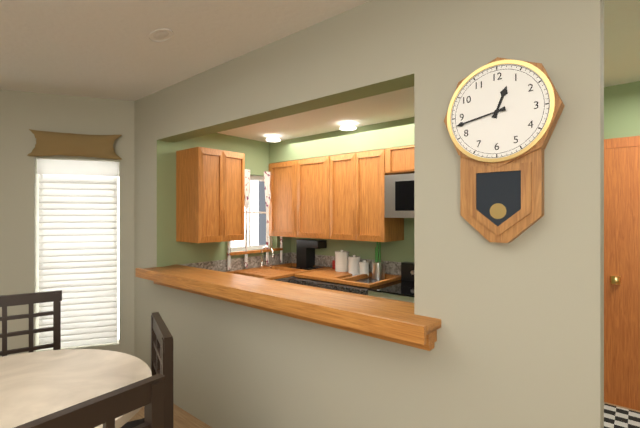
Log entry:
h=12 m=43
